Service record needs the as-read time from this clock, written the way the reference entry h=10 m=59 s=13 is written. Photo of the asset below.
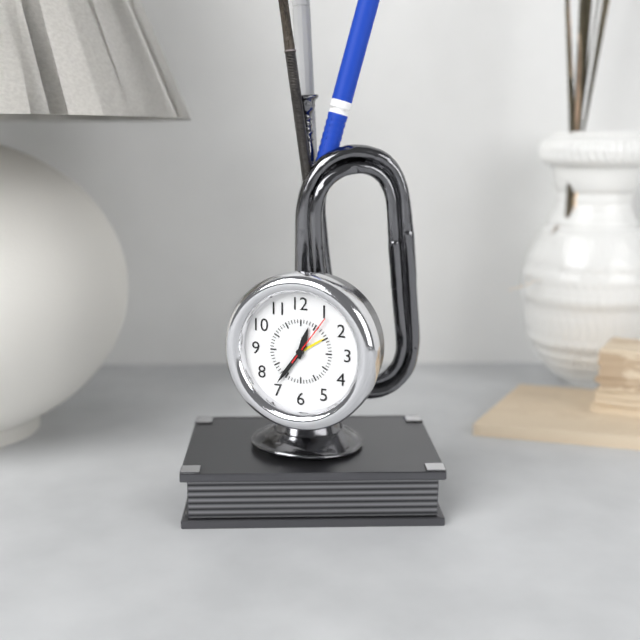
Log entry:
h=12 m=36 s=6
